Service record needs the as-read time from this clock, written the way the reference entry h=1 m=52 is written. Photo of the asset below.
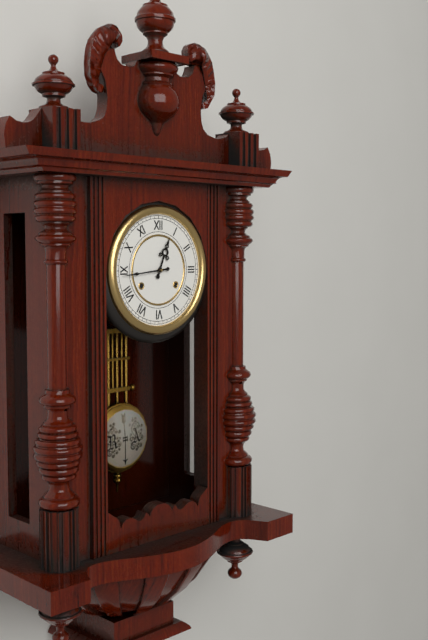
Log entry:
h=12 m=44
